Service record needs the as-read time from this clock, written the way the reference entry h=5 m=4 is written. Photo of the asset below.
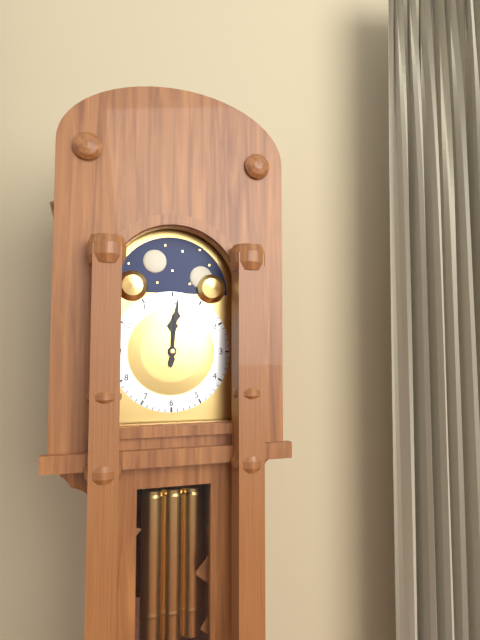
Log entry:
h=12 m=1
